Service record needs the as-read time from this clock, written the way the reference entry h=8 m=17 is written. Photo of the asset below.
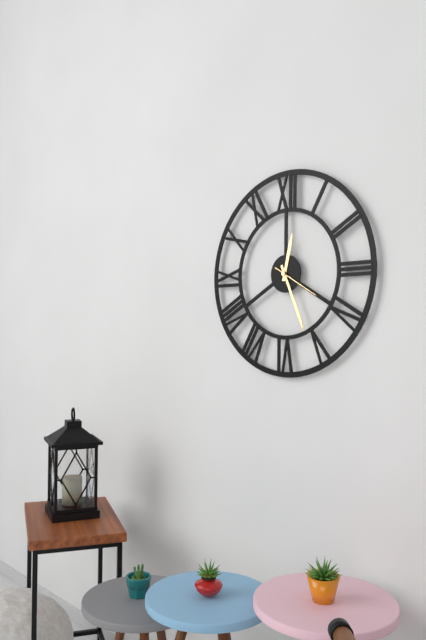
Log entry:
h=12 m=26
